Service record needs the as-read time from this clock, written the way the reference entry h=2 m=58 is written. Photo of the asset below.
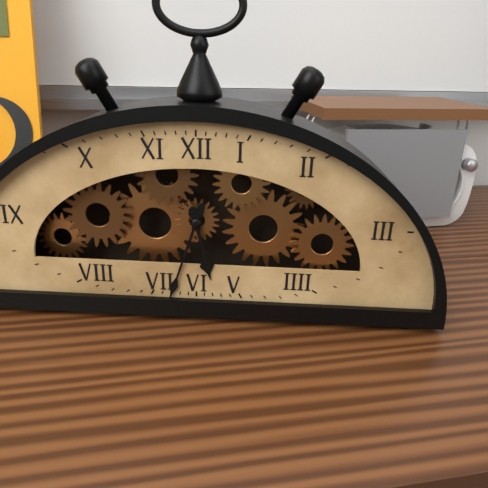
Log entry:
h=5 m=33
